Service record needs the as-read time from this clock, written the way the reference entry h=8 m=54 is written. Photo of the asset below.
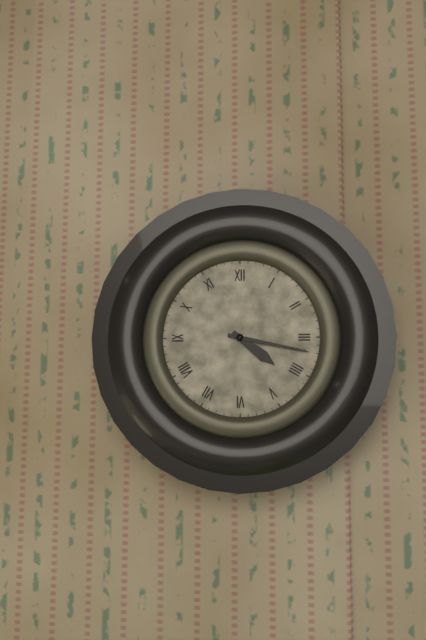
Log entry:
h=4 m=17
